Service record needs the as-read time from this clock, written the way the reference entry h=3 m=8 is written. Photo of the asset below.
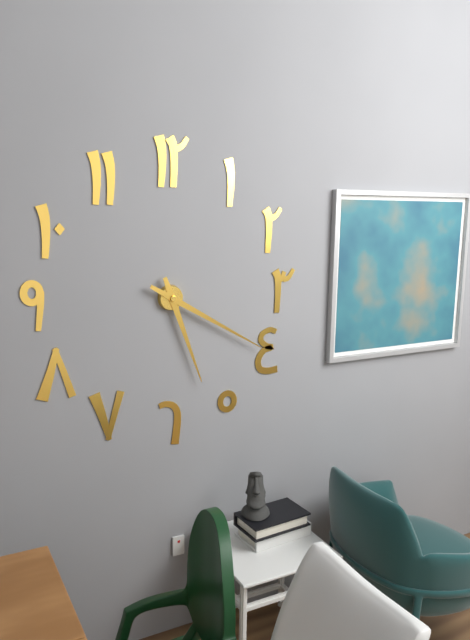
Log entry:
h=5 m=20
